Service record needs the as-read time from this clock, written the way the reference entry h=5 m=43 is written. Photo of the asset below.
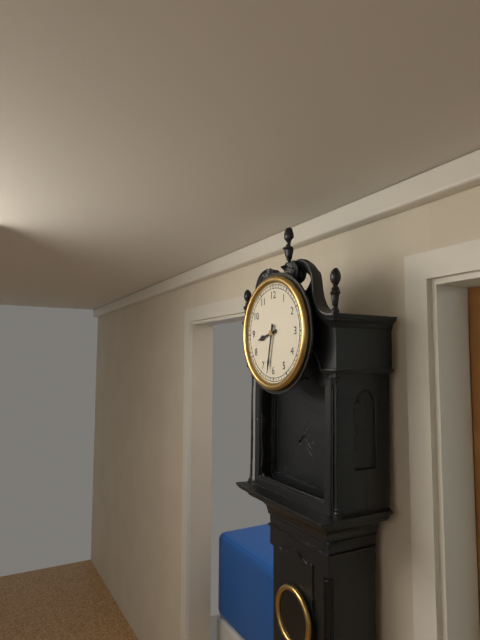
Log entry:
h=8 m=32
